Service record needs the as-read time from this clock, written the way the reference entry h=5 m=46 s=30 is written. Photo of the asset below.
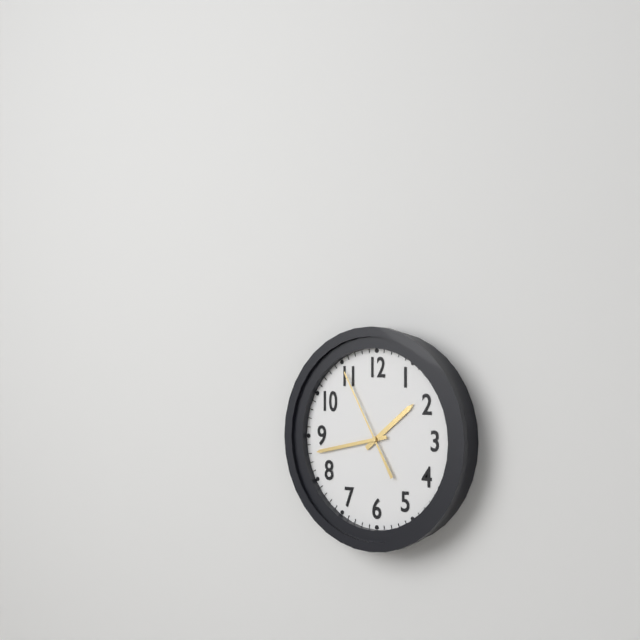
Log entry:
h=1 m=43 s=55
